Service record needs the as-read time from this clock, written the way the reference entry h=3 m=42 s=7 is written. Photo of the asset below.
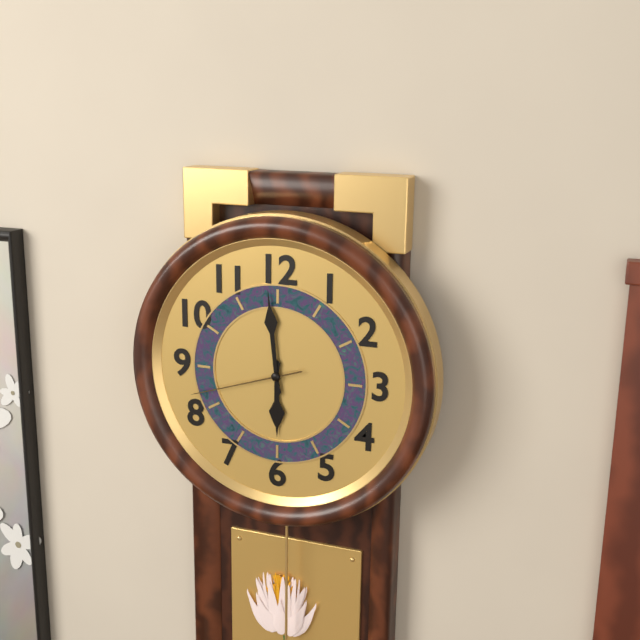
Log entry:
h=5 m=59 s=42
